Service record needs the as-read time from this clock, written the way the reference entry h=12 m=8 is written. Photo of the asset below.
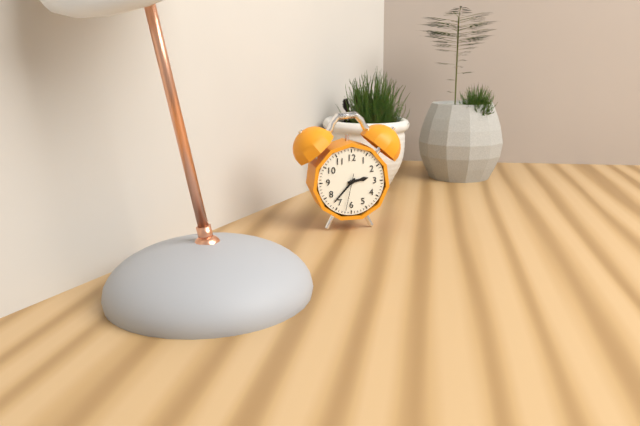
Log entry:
h=2 m=37
